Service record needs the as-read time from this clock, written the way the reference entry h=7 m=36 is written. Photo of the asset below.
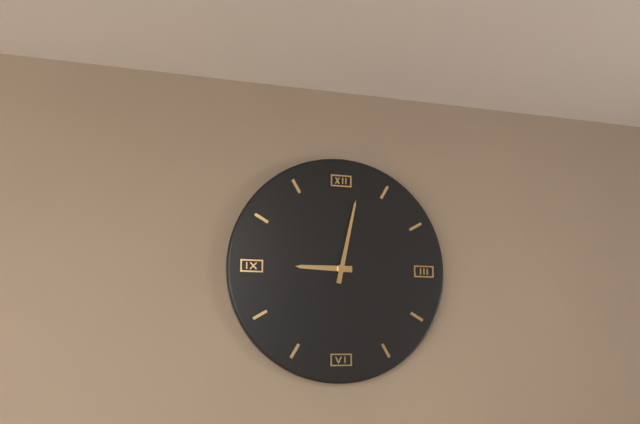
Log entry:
h=9 m=2
